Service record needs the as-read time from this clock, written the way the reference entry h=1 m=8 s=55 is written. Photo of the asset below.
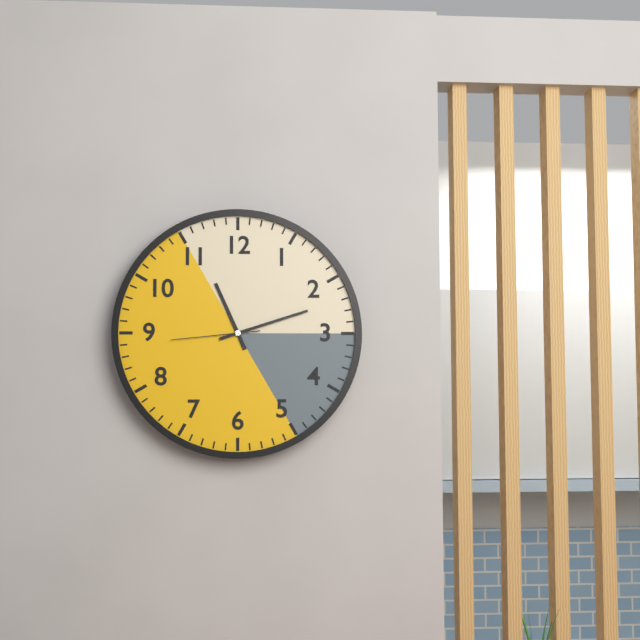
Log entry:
h=11 m=12 s=44
